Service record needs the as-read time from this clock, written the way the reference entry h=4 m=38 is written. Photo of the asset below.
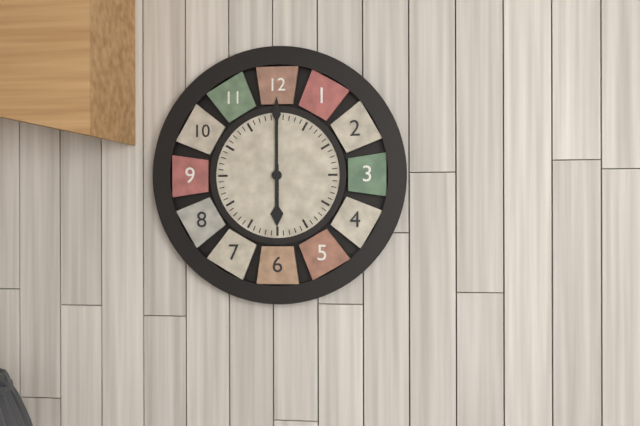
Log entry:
h=6 m=0
